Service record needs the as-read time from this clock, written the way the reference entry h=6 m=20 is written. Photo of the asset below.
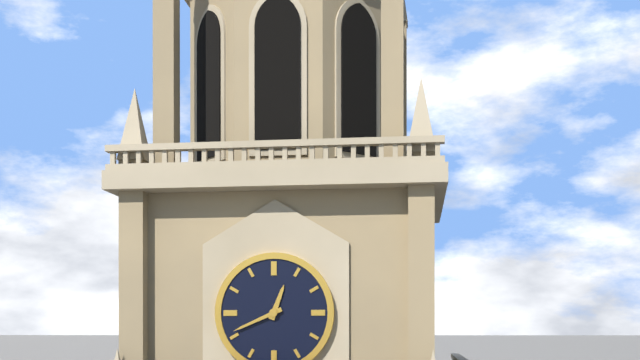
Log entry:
h=12 m=41
